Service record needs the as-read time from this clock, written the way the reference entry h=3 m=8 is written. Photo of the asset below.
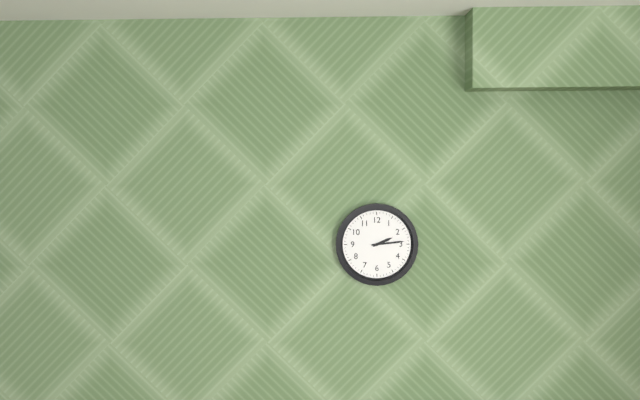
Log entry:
h=2 m=14
